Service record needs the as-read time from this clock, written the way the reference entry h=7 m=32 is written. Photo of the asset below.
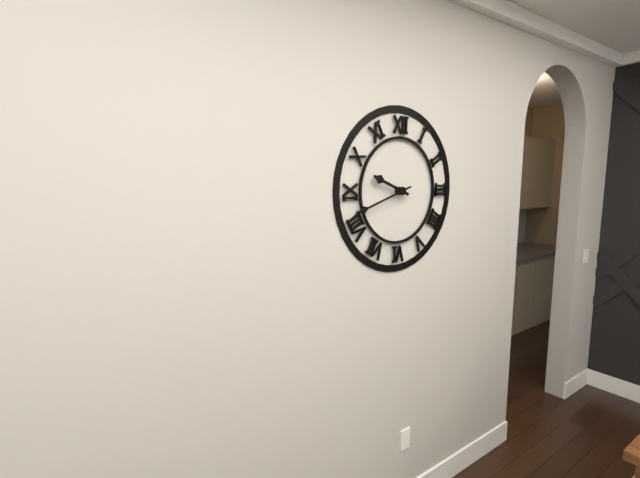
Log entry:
h=9 m=42
